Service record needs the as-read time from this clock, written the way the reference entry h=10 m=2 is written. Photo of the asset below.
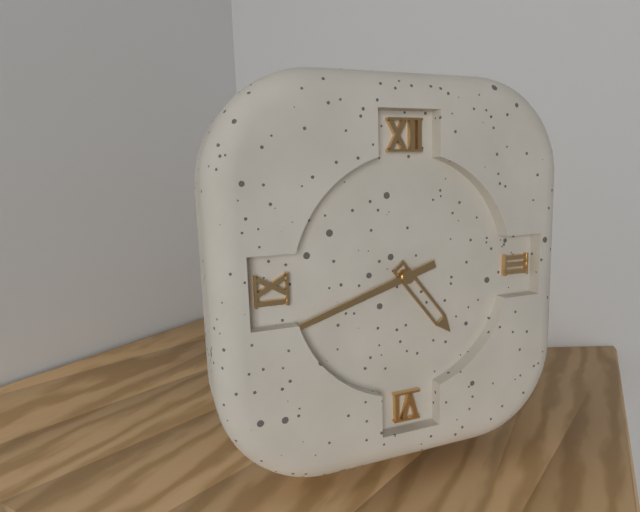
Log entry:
h=4 m=42
